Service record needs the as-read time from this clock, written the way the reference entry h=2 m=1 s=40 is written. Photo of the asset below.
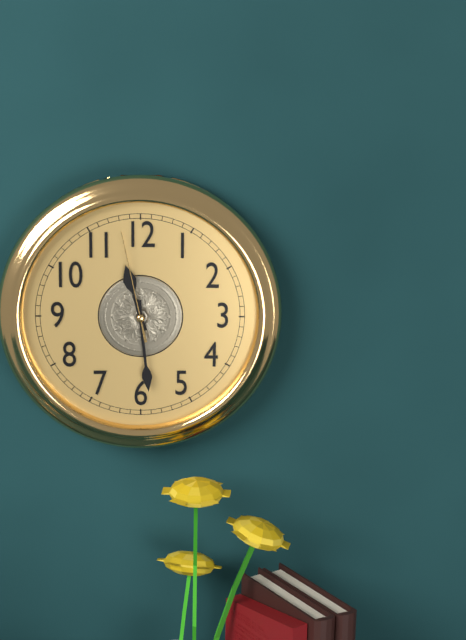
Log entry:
h=11 m=29 s=58
